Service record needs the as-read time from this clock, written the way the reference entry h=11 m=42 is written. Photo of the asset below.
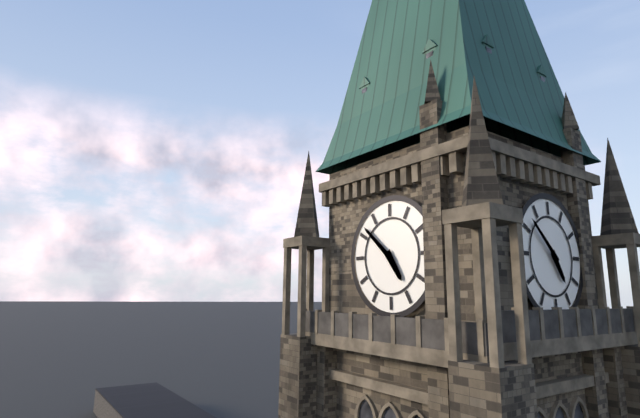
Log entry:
h=4 m=52
